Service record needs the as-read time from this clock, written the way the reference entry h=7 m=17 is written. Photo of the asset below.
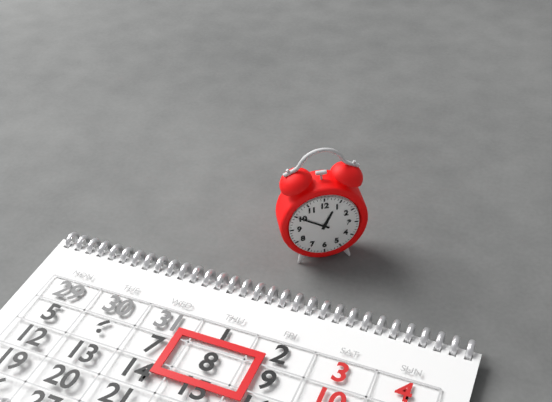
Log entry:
h=12 m=50
